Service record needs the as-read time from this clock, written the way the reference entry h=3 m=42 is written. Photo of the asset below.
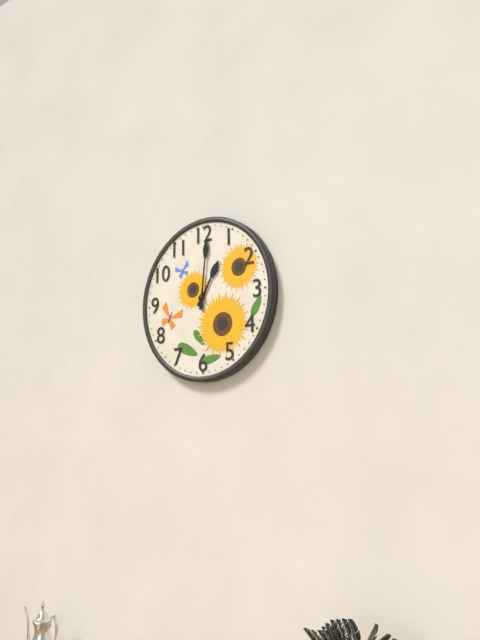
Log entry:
h=1 m=1
